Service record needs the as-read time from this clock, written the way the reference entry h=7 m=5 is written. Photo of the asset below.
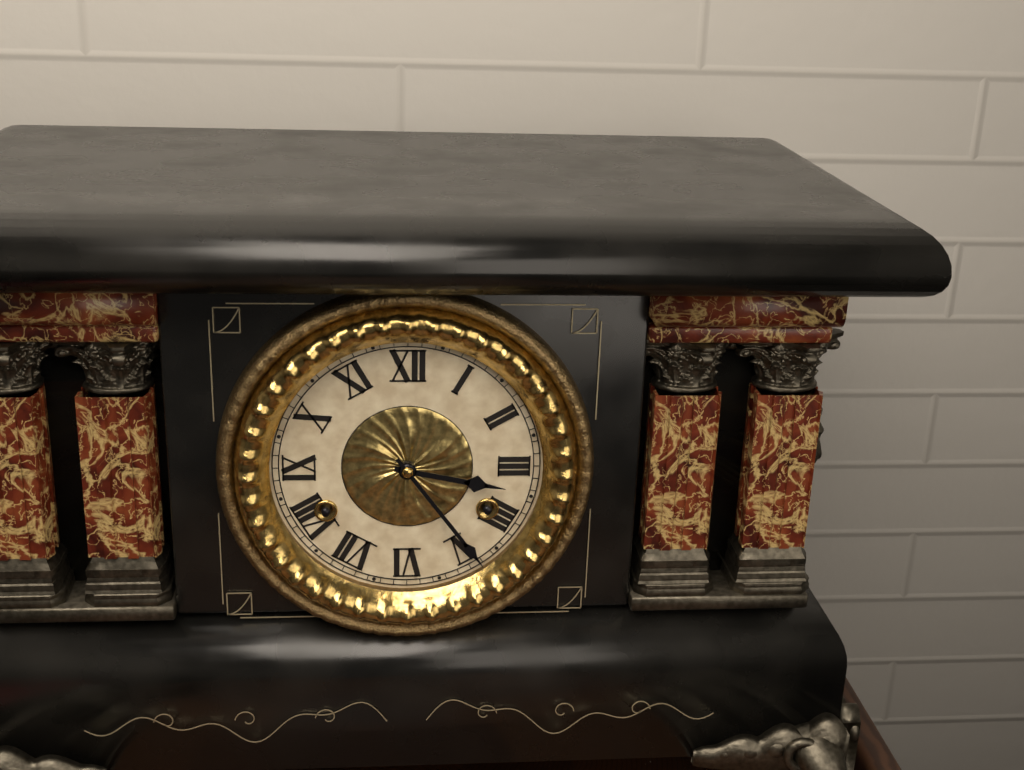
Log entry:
h=3 m=24
